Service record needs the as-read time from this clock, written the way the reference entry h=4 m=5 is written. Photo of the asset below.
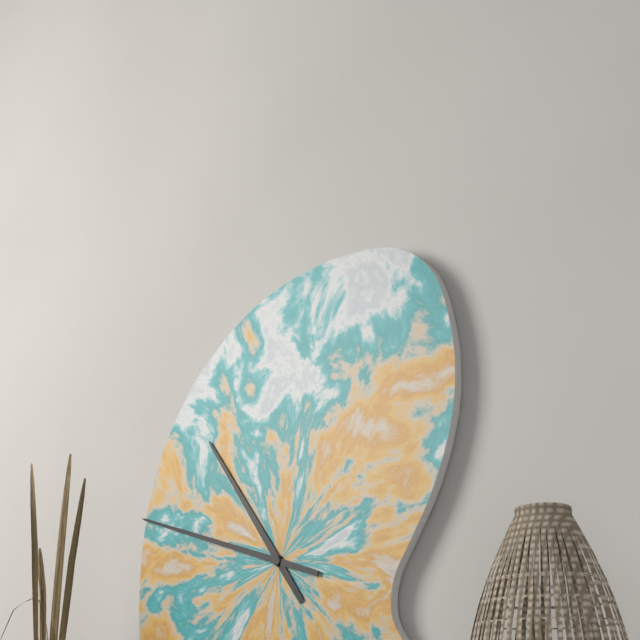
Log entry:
h=10 m=48
